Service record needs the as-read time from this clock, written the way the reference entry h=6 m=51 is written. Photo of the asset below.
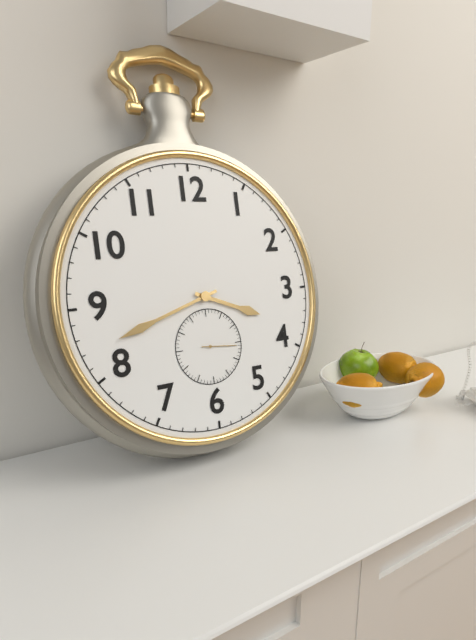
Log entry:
h=3 m=42
